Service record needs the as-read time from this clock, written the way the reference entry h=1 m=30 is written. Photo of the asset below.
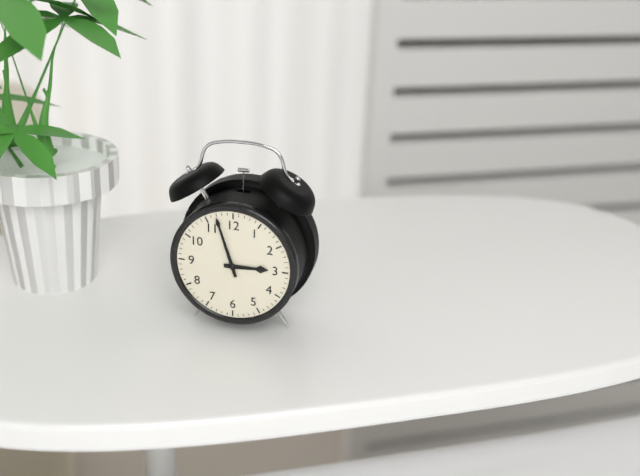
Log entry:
h=2 m=57
